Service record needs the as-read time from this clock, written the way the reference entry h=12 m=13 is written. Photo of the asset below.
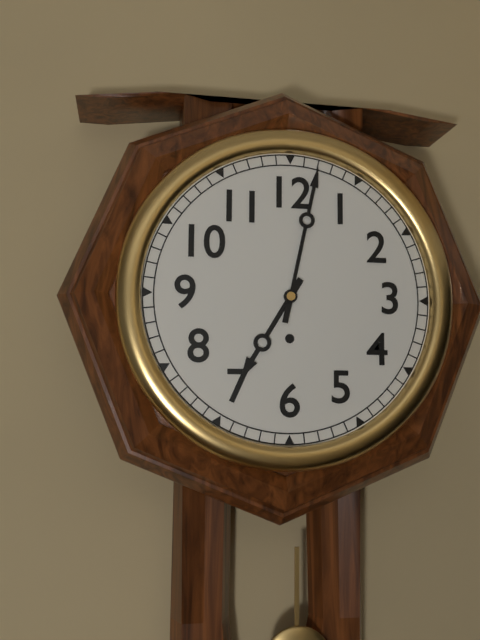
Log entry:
h=7 m=2
